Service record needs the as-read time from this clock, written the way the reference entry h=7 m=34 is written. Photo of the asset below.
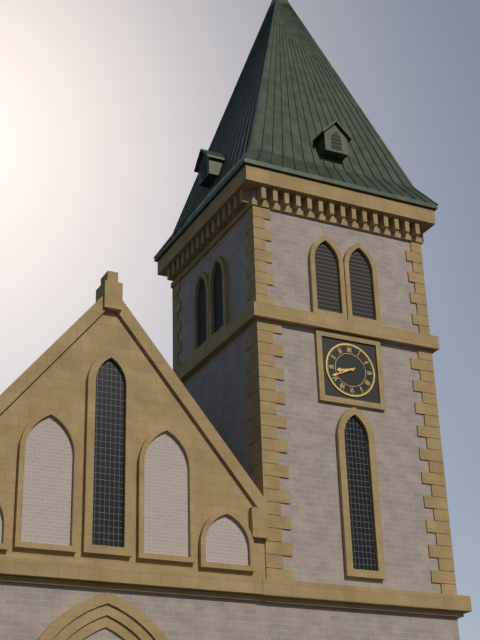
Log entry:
h=8 m=41
